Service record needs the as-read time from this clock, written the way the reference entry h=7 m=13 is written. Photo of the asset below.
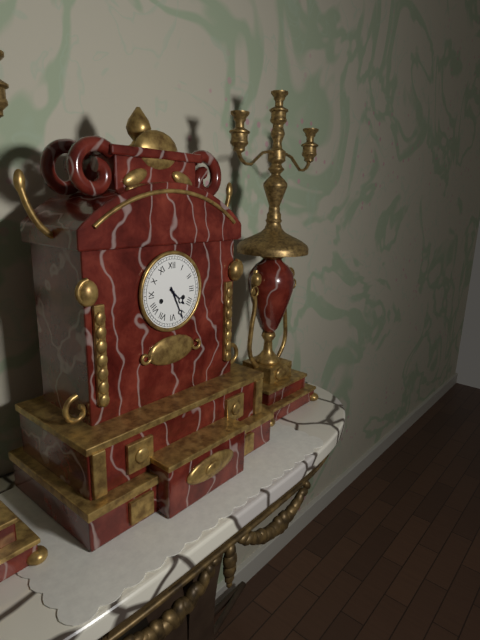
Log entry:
h=4 m=26
